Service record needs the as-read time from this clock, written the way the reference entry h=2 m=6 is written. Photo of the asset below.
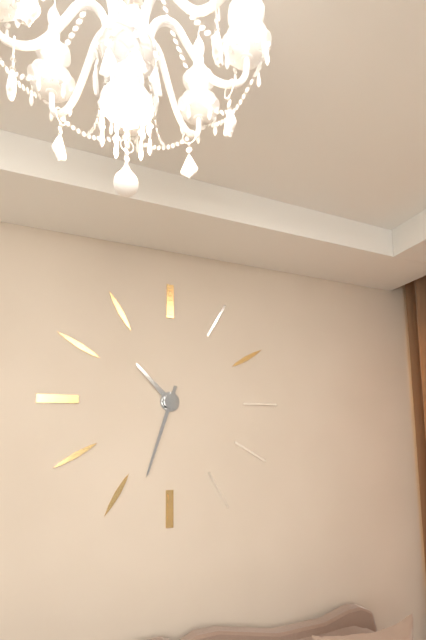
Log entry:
h=10 m=33
